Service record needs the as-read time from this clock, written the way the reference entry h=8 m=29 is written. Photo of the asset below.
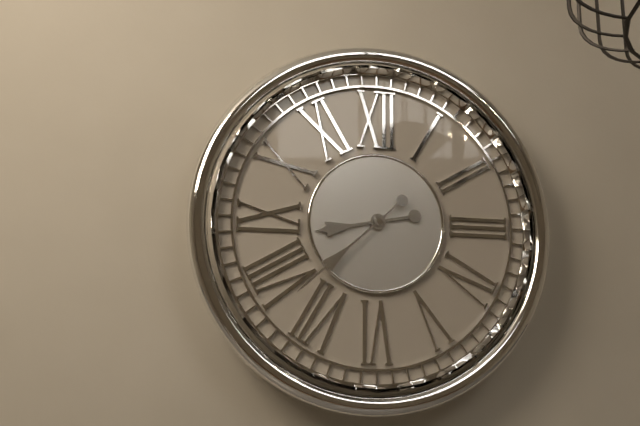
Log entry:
h=8 m=38
